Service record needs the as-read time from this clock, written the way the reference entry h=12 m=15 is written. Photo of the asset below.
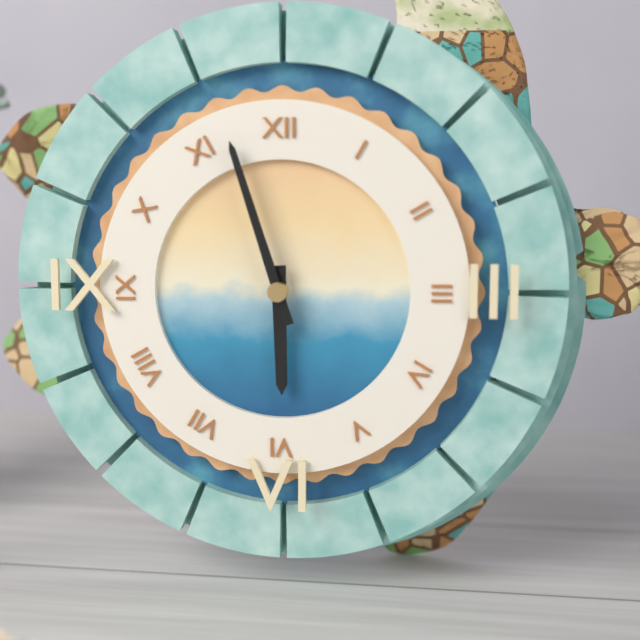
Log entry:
h=5 m=57
